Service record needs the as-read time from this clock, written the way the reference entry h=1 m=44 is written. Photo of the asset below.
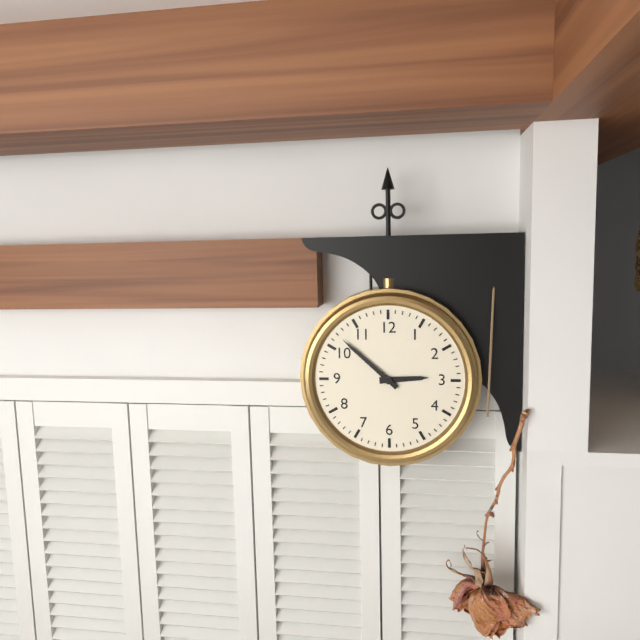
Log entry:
h=2 m=52
